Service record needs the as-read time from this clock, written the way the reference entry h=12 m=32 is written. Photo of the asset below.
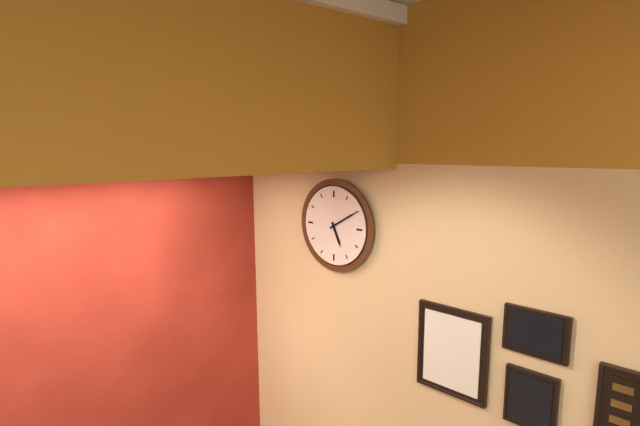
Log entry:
h=5 m=10
